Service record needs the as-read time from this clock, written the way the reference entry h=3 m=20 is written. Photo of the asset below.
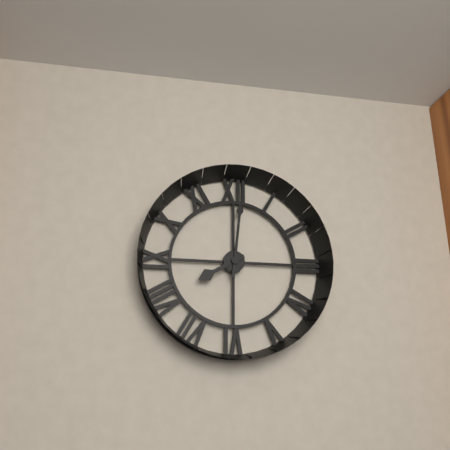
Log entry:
h=8 m=1
